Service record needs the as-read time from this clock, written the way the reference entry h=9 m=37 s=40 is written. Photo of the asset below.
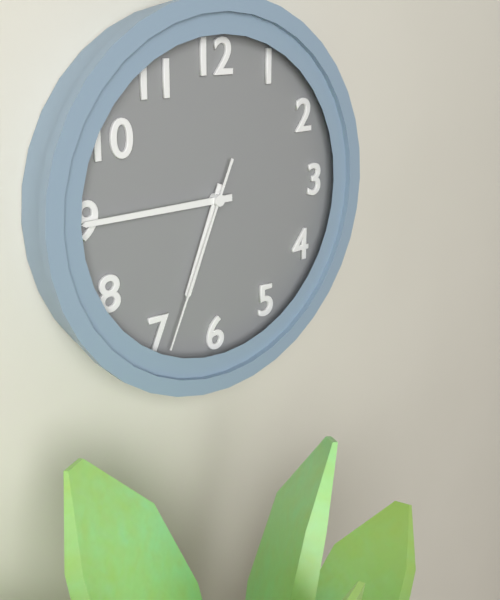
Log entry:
h=6 m=45 s=34
